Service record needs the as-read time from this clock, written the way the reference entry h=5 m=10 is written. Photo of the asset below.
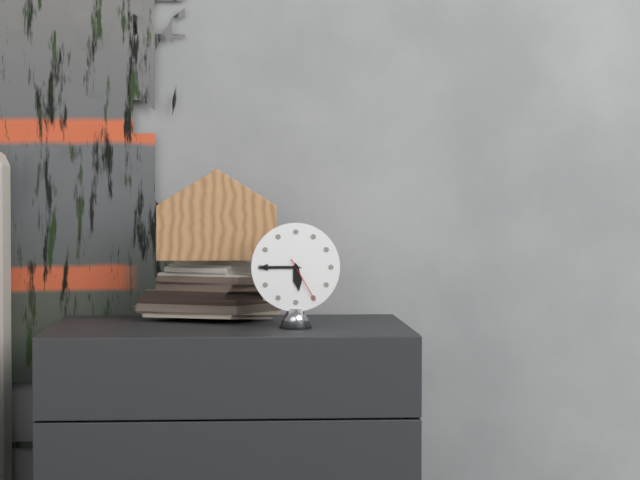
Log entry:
h=5 m=45
